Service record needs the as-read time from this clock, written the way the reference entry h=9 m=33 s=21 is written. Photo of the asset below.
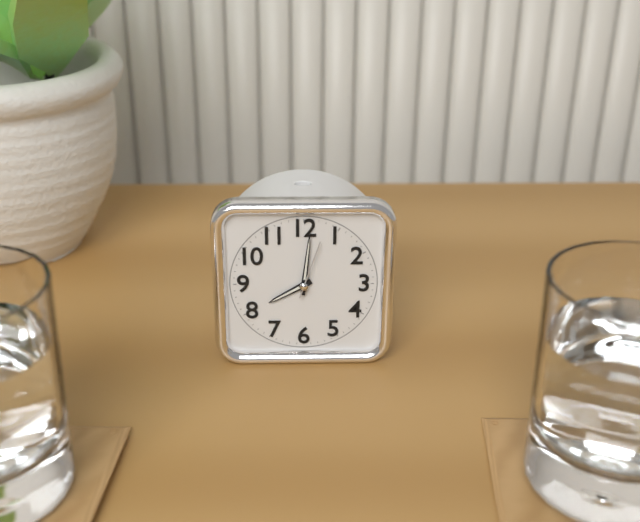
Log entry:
h=8 m=1 s=3
